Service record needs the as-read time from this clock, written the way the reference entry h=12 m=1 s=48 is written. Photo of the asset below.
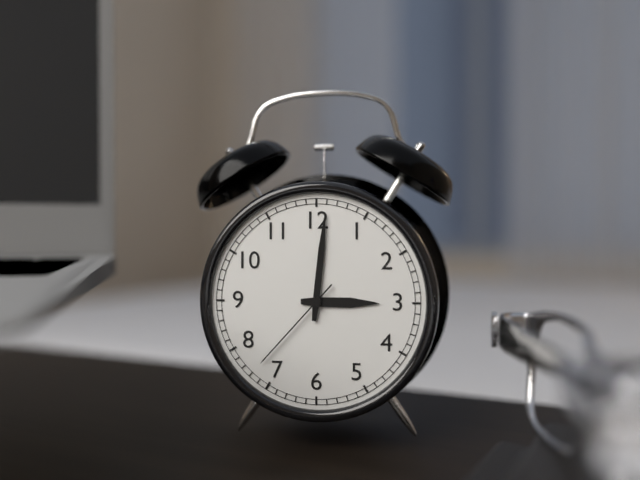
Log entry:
h=3 m=1 s=37
